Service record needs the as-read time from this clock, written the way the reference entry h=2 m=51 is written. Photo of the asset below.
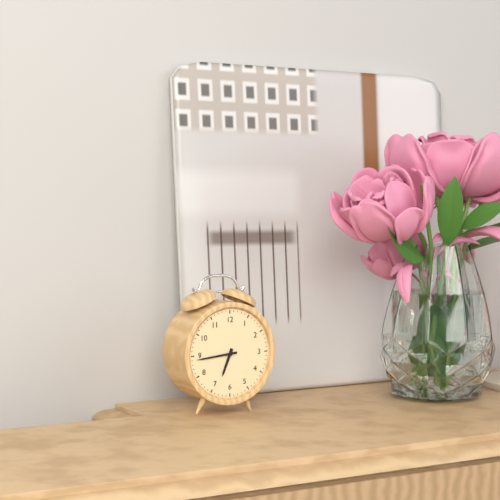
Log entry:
h=6 m=44
